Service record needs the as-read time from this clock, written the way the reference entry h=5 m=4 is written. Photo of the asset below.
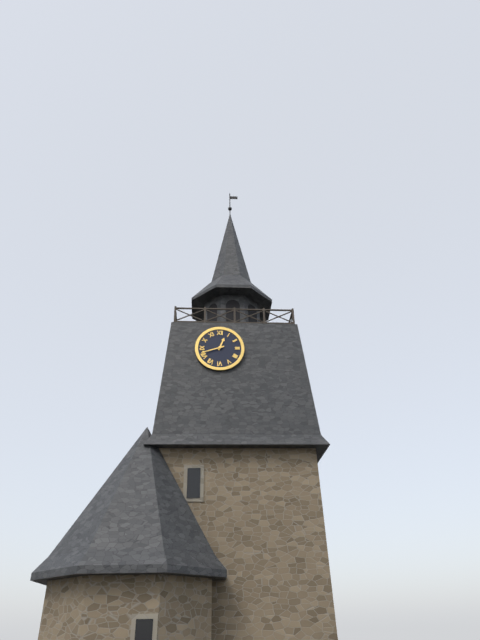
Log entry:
h=12 m=42
